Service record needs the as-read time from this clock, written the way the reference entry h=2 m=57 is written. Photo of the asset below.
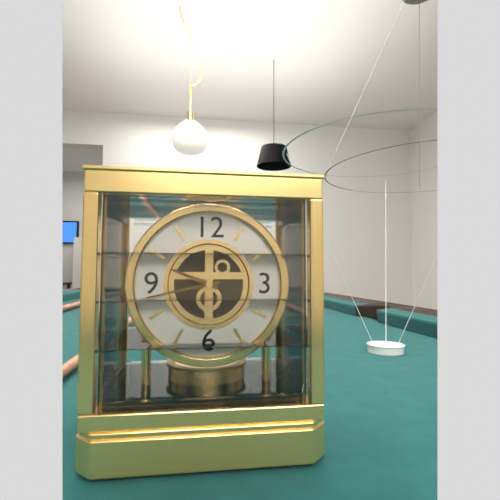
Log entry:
h=9 m=43
